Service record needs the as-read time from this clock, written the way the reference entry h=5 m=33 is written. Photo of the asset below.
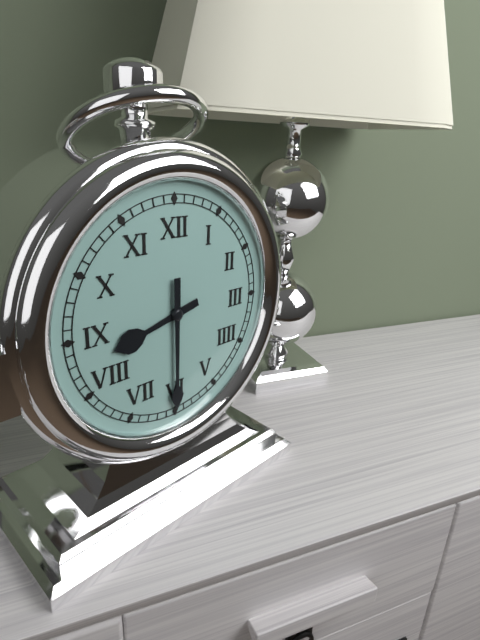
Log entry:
h=8 m=30
